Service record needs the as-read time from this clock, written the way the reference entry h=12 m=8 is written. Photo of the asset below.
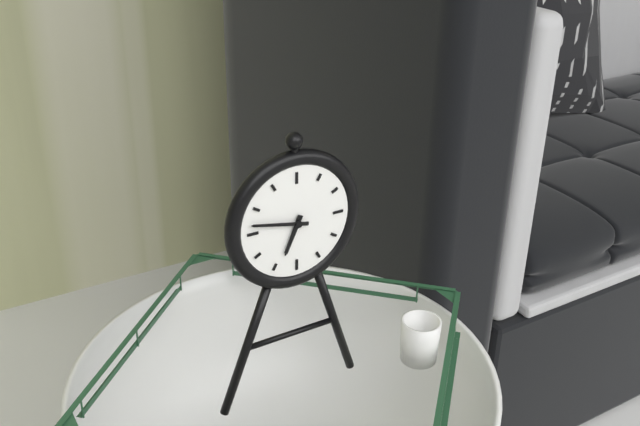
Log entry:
h=6 m=47
